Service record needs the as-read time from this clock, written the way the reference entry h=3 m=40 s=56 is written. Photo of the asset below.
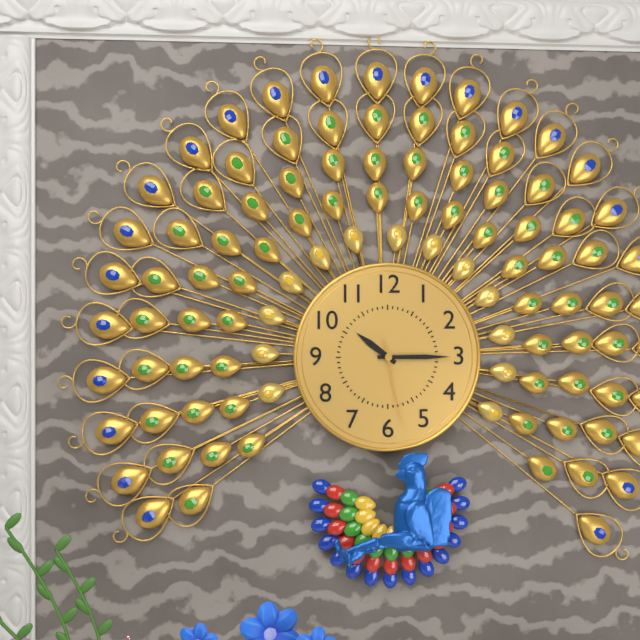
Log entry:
h=10 m=15 s=28
